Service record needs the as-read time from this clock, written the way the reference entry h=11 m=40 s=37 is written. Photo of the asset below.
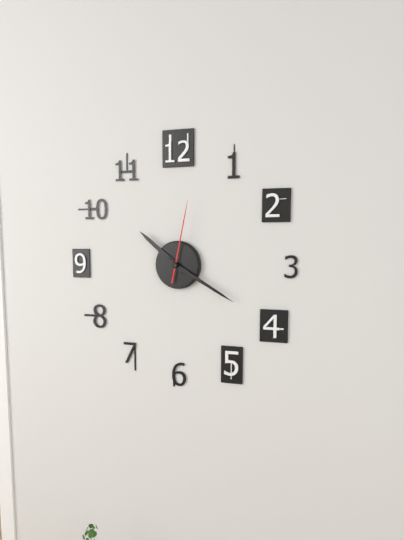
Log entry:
h=10 m=20 s=2
